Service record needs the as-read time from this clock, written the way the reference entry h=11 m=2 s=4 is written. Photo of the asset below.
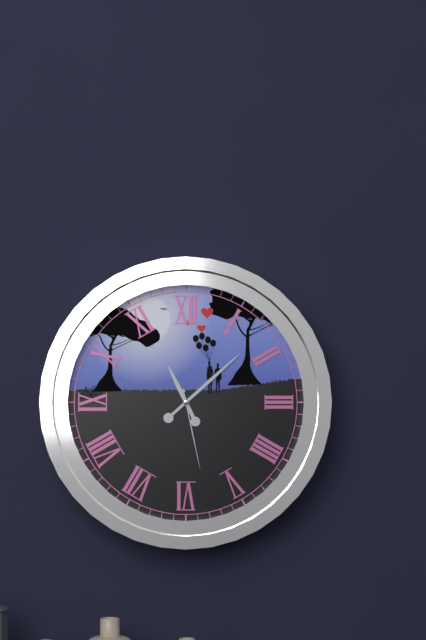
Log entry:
h=11 m=8 s=28
